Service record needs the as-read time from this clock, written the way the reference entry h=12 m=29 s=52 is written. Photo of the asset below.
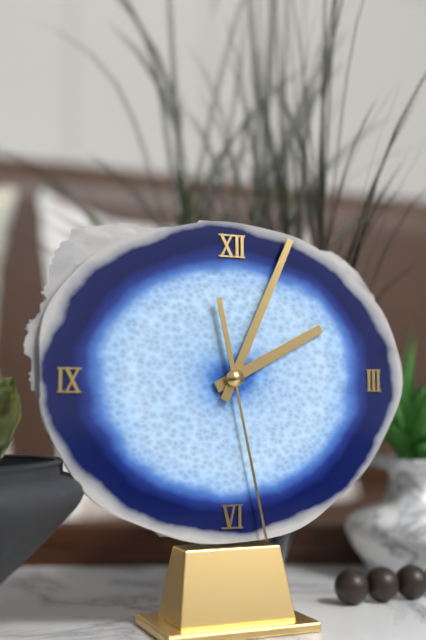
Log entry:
h=2 m=4 s=28
